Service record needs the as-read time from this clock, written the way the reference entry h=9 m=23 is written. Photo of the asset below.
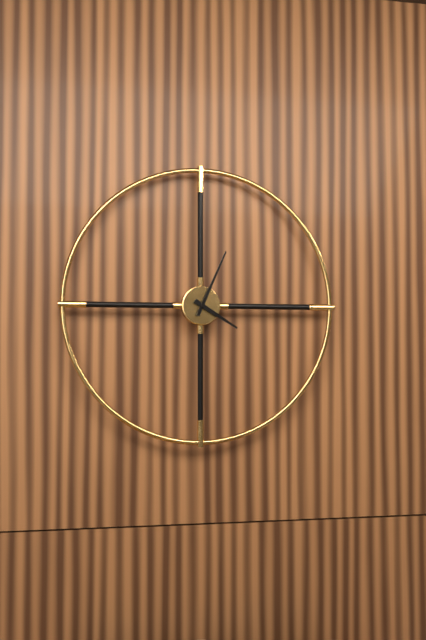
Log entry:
h=4 m=4
